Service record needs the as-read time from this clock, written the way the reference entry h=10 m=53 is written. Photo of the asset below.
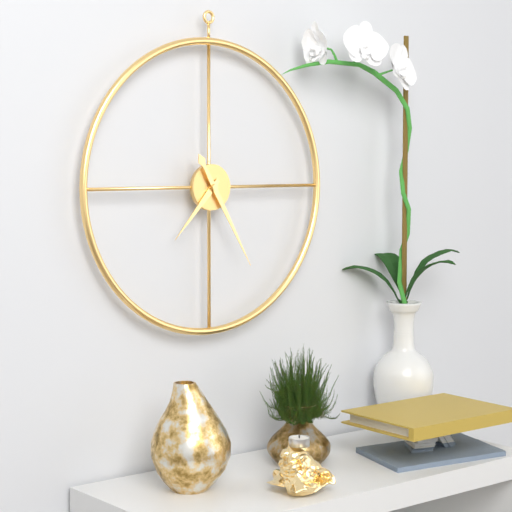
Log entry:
h=7 m=25
